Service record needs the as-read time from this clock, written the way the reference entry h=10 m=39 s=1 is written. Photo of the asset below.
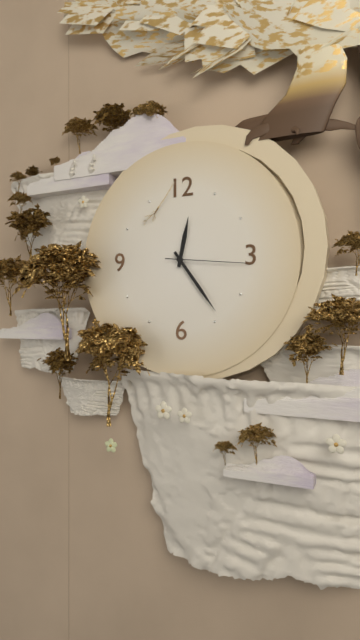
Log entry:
h=12 m=24 s=16
